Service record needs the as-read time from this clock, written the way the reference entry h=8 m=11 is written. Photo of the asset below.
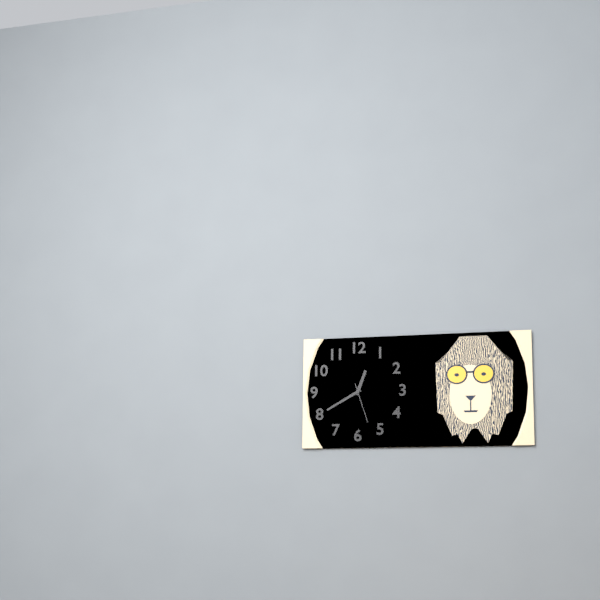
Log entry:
h=12 m=40
